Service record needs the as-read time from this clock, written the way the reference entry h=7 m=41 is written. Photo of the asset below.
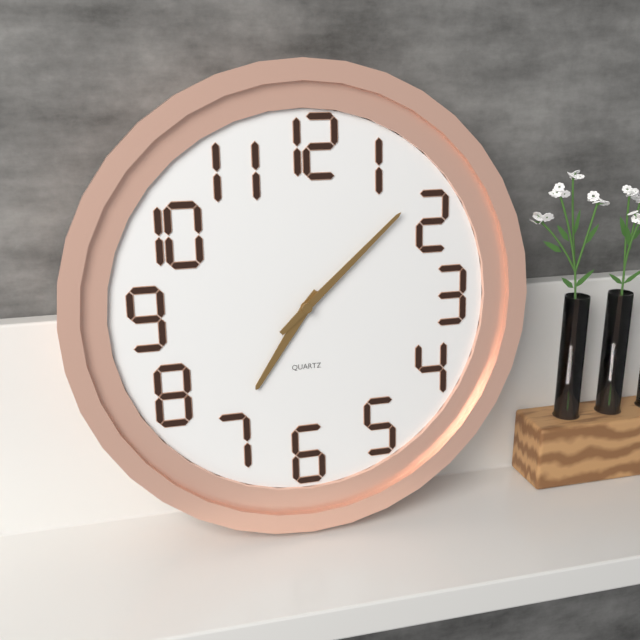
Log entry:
h=7 m=8
